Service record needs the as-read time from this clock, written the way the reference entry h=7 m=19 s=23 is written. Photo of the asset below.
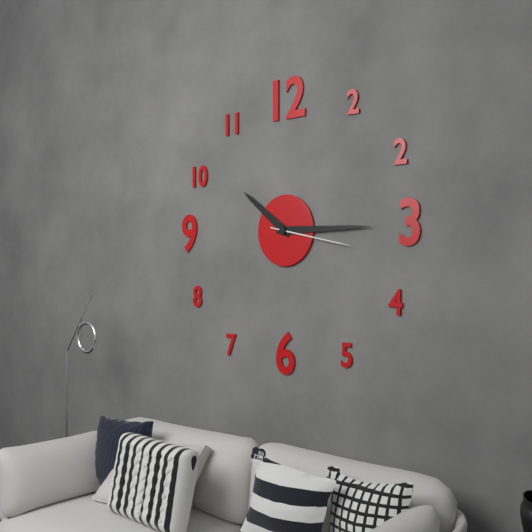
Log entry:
h=10 m=15 s=17
